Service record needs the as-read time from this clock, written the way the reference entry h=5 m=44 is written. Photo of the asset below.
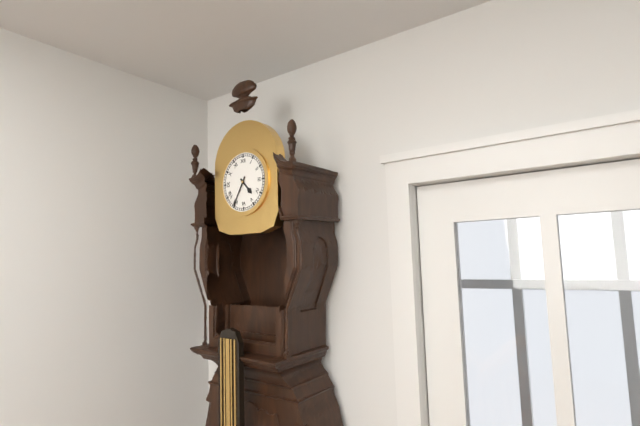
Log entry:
h=4 m=35
